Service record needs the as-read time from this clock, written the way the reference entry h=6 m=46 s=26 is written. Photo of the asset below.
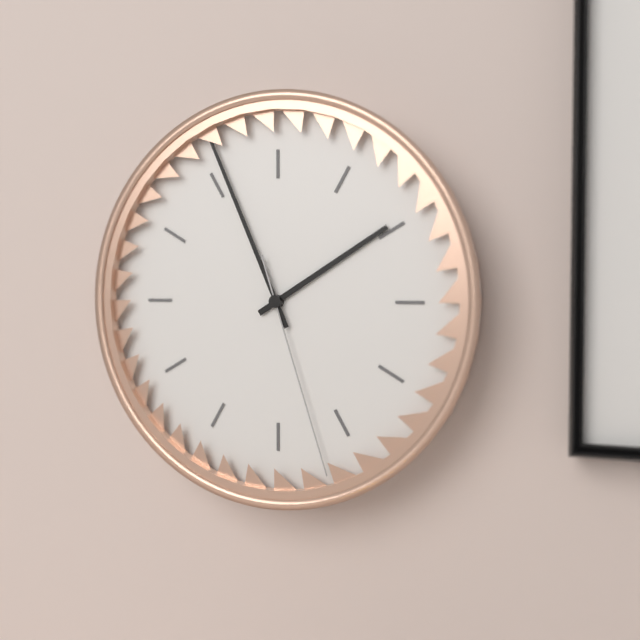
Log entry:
h=1 m=56 s=27
